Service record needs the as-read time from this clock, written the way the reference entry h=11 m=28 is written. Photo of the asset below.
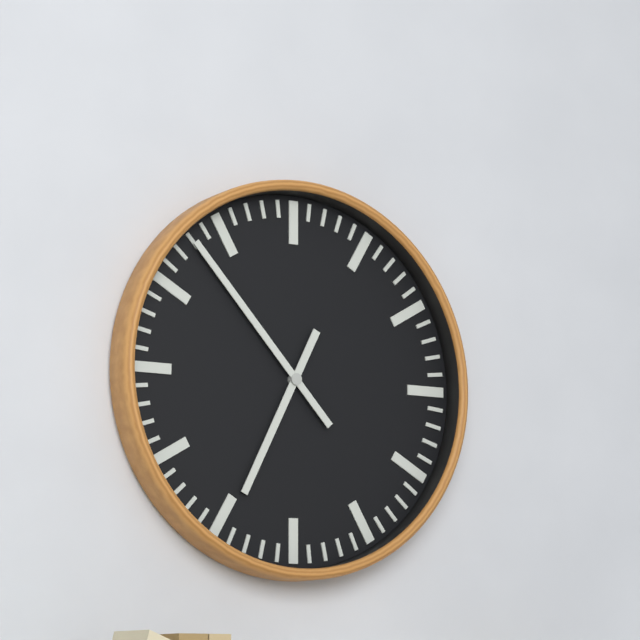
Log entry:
h=6 m=53
